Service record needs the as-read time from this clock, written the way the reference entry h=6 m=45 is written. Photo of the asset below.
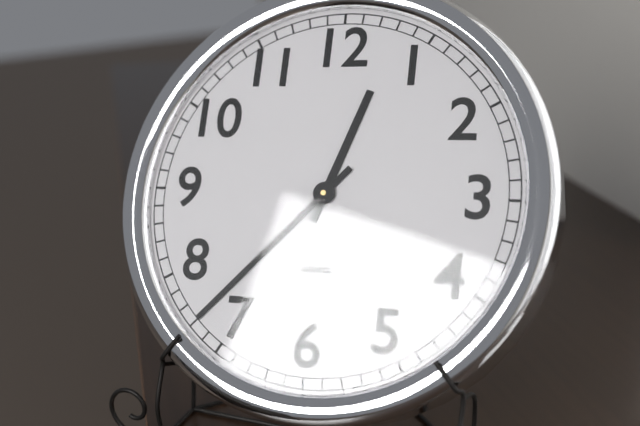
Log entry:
h=12 m=37
